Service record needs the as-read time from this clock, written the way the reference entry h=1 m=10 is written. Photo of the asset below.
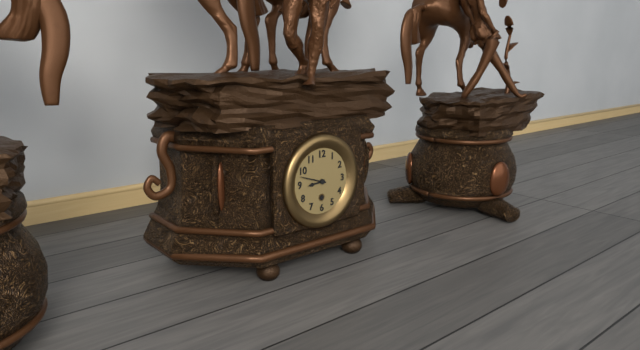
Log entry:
h=8 m=48
